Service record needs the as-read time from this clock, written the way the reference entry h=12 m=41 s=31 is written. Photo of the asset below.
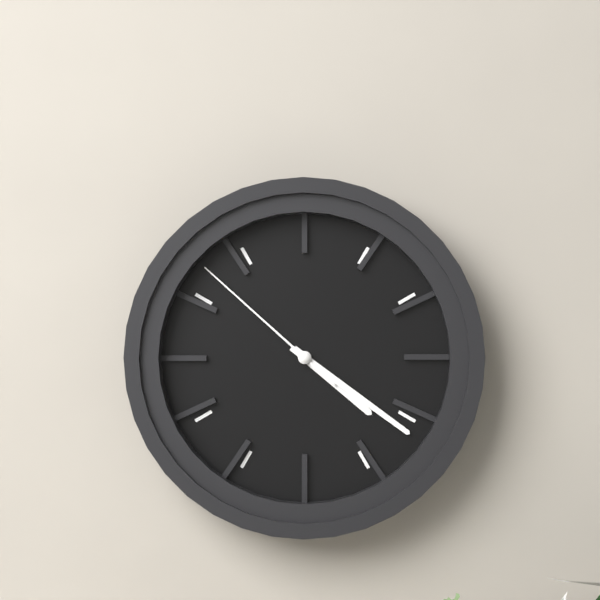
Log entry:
h=4 m=21 s=52
